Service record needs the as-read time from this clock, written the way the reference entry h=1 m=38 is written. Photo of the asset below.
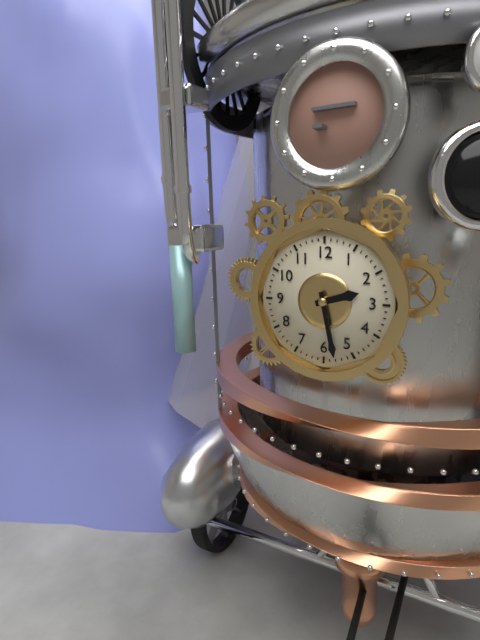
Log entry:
h=2 m=28
